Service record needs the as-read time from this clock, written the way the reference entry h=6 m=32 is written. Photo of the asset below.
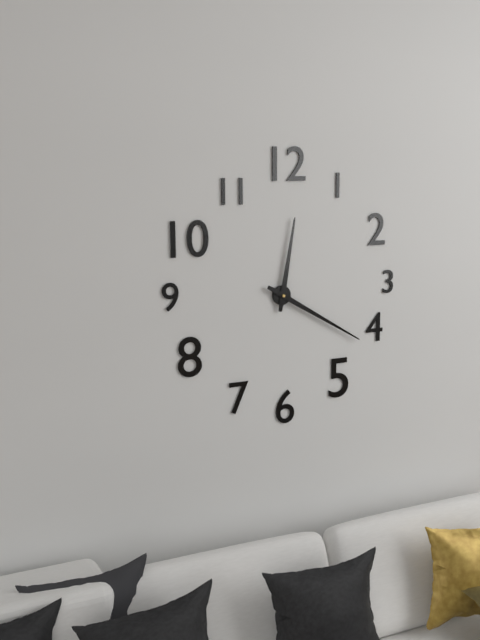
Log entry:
h=12 m=20
